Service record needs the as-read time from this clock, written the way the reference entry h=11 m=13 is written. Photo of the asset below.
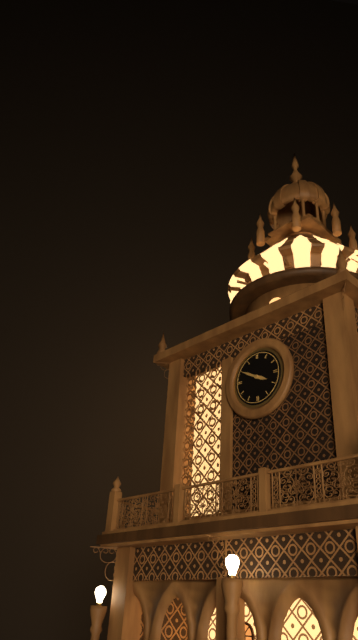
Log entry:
h=3 m=50
